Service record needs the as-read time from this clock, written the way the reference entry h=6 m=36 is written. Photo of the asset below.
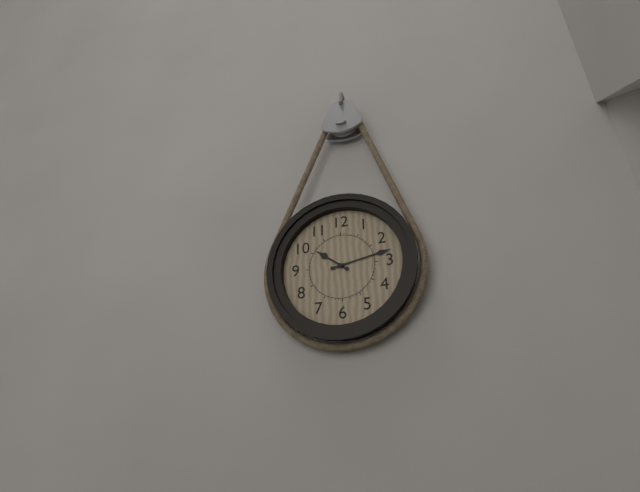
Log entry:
h=10 m=13
